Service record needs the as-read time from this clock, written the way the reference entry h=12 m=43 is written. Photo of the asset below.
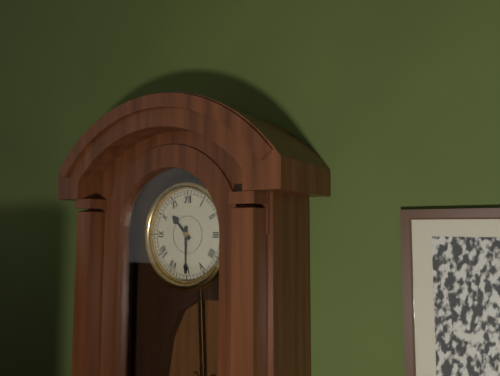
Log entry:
h=10 m=30
